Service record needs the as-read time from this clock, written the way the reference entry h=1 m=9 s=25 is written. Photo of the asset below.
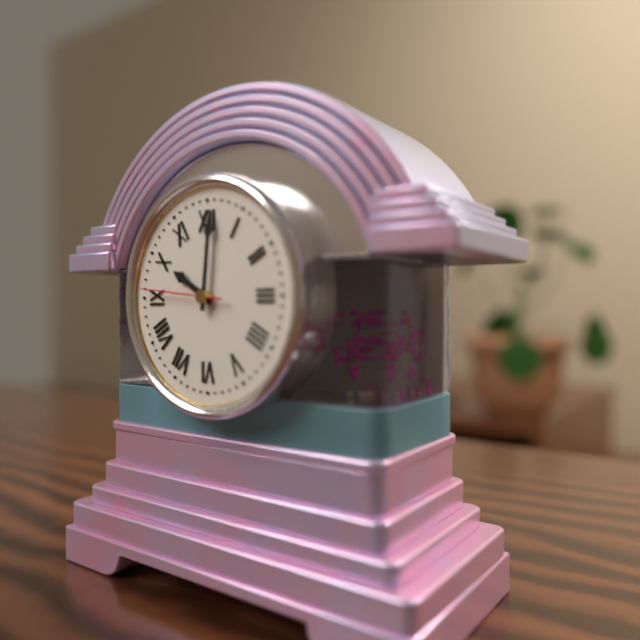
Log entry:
h=10 m=1 s=46
